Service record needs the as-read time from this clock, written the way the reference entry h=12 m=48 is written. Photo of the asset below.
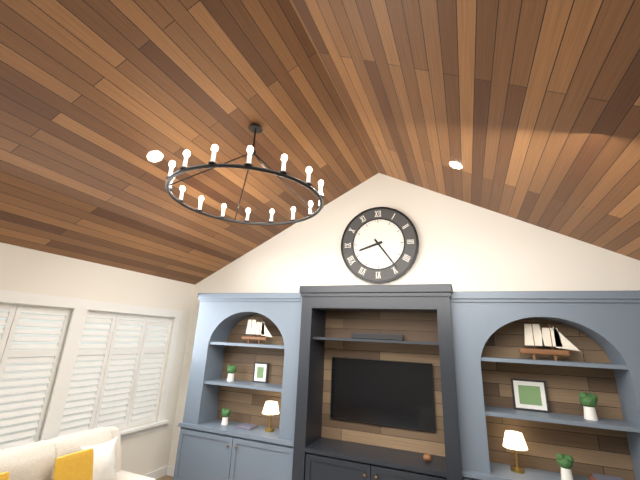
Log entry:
h=8 m=24
